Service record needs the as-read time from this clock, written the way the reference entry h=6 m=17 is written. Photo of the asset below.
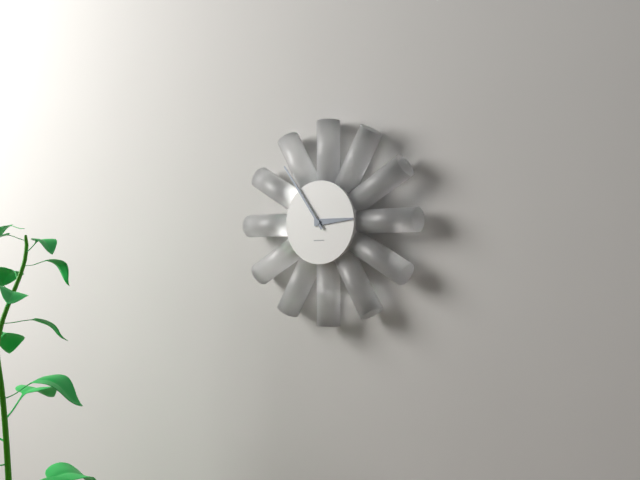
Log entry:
h=2 m=54
